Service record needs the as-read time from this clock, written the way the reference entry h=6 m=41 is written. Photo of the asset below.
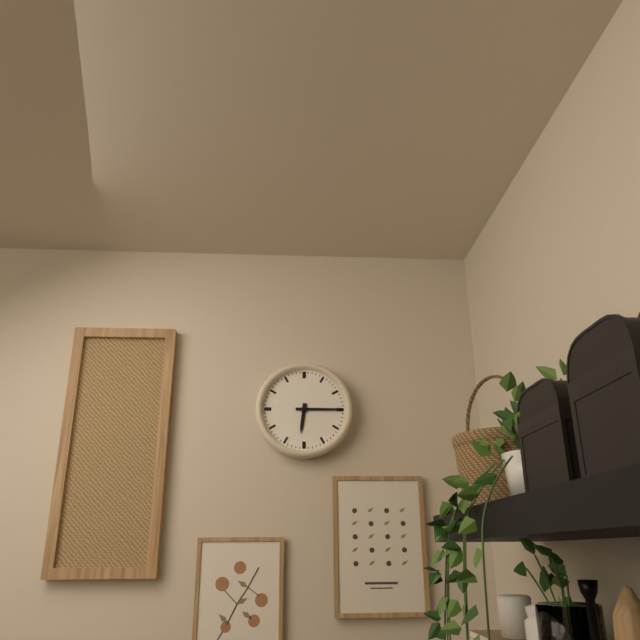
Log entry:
h=6 m=15
